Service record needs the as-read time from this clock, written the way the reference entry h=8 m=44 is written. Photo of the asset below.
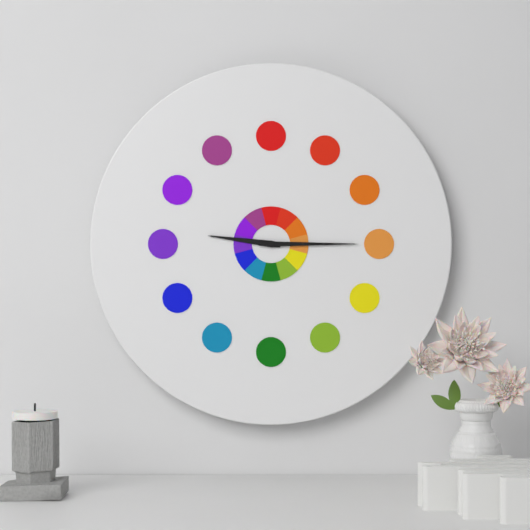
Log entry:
h=9 m=15
